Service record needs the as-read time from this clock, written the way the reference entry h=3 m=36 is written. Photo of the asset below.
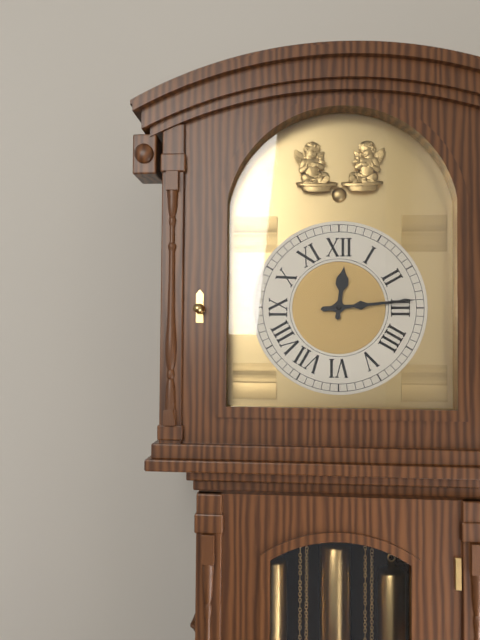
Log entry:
h=12 m=14
